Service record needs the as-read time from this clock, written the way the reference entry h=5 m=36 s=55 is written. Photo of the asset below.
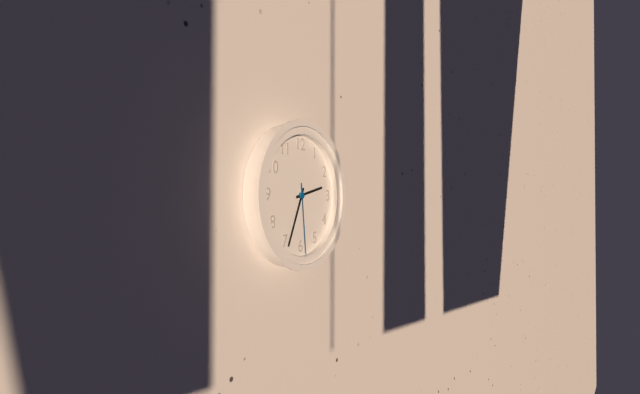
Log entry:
h=2 m=34 s=29
